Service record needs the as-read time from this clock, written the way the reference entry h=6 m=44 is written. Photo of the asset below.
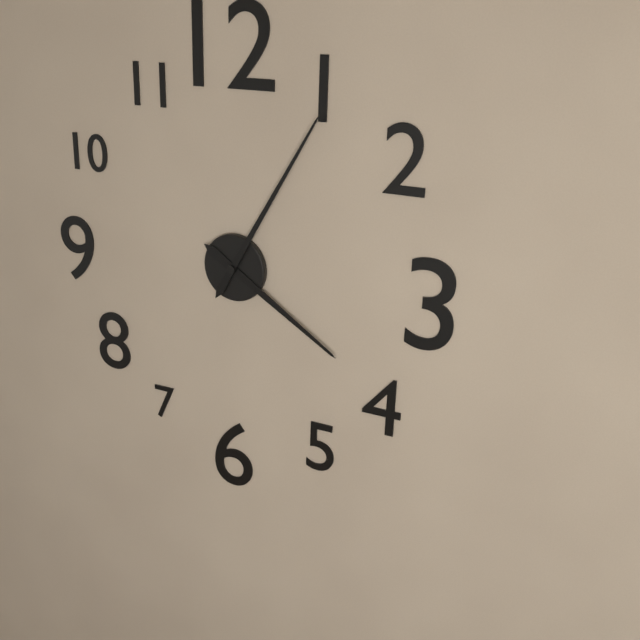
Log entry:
h=4 m=5
